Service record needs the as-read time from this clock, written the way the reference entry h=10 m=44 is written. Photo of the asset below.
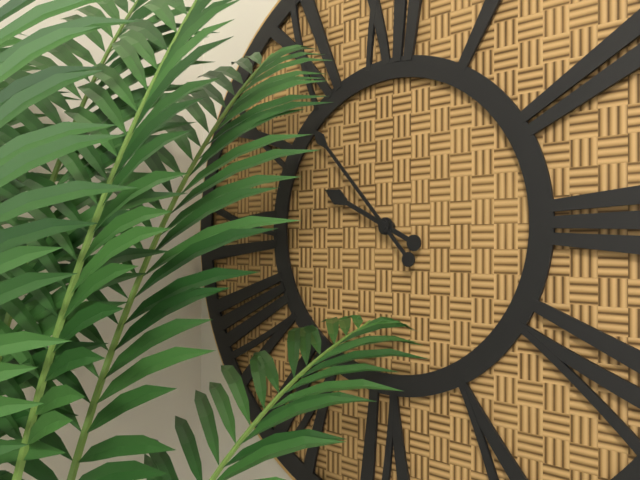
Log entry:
h=9 m=53
